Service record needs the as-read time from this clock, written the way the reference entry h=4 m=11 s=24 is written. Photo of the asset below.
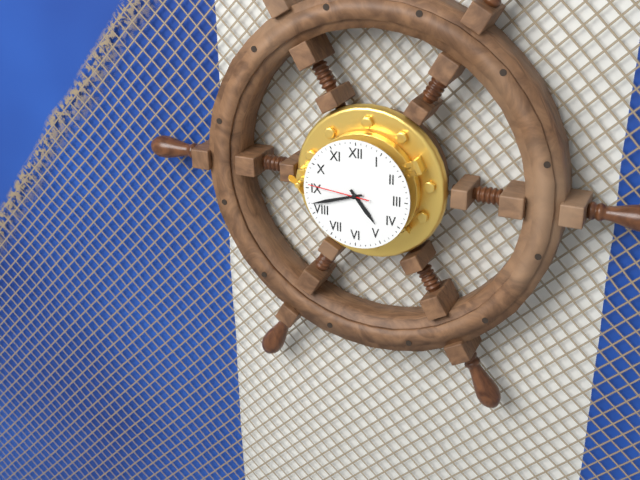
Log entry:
h=4 m=42 s=46
